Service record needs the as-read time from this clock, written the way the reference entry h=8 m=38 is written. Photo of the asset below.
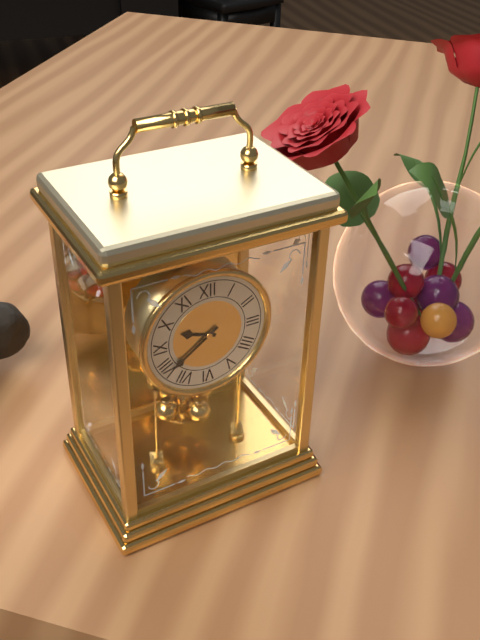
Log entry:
h=9 m=39
